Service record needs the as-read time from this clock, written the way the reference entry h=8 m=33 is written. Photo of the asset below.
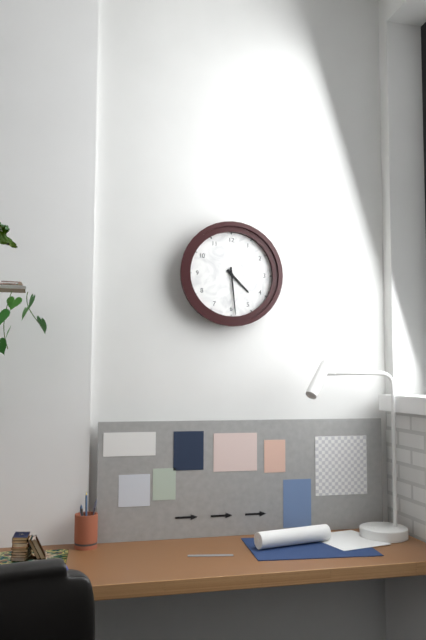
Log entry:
h=4 m=29
